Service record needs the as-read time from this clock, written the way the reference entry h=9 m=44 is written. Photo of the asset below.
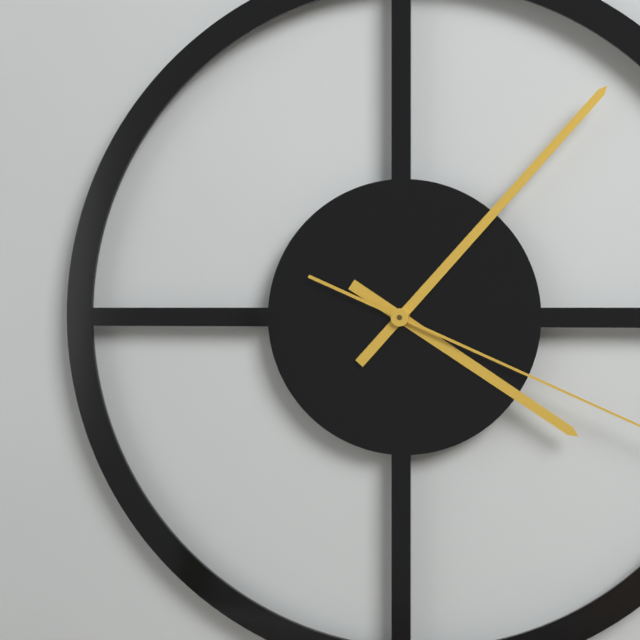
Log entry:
h=4 m=7
